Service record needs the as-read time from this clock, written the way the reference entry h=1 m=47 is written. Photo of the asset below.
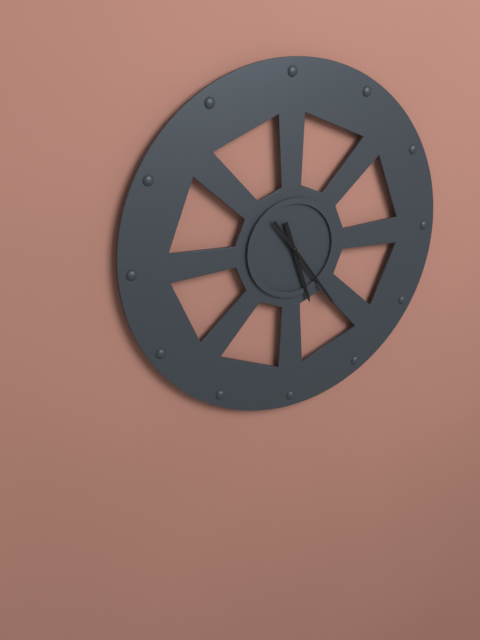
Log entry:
h=5 m=24
